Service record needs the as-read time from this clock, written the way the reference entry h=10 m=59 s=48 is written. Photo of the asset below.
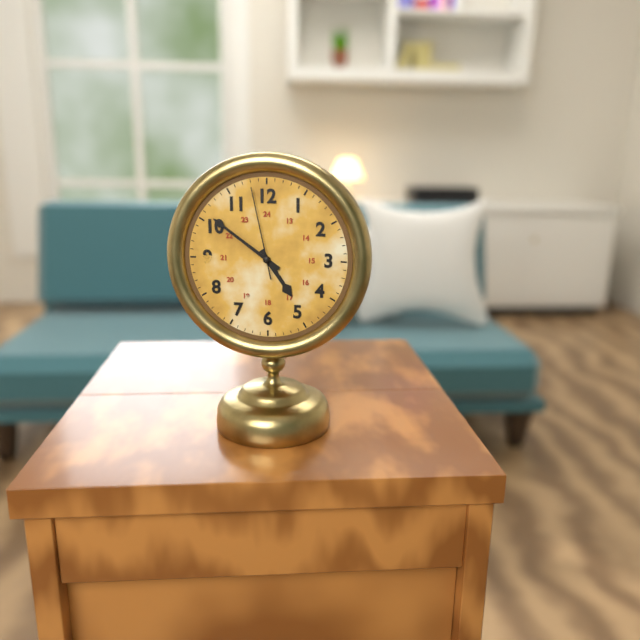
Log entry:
h=4 m=51 s=58
